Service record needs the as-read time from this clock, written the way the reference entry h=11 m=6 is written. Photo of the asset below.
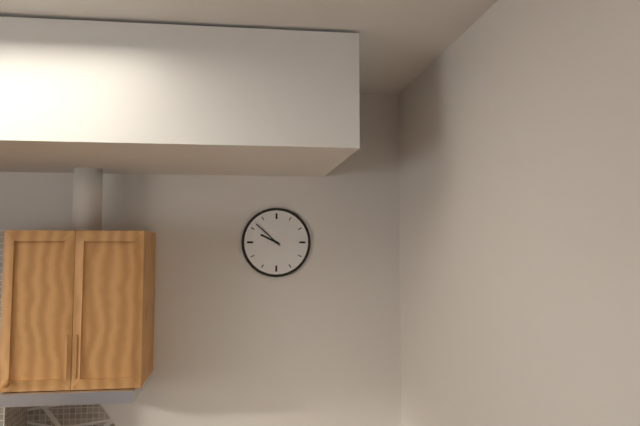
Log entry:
h=9 m=52
